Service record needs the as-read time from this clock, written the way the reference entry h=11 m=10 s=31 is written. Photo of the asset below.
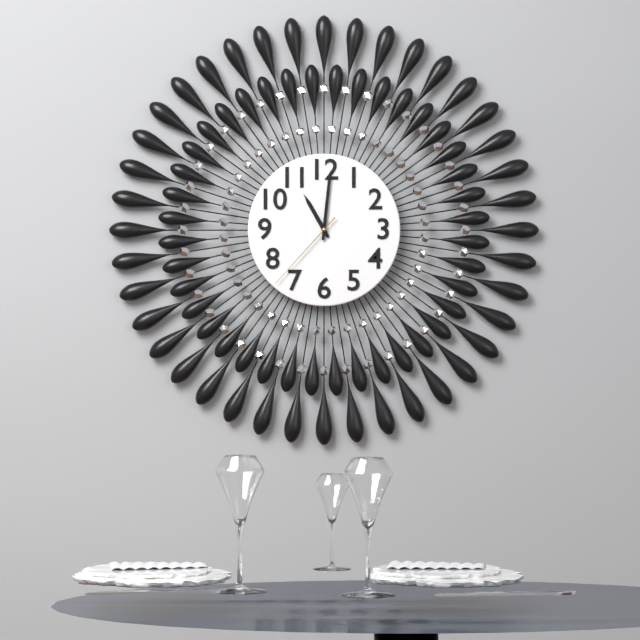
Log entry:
h=11 m=1 s=37
